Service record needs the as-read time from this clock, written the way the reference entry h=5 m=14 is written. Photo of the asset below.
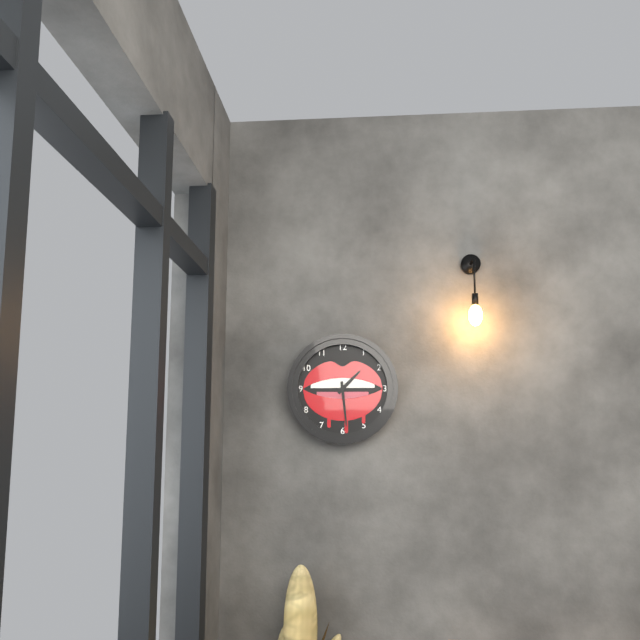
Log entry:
h=1 m=29
